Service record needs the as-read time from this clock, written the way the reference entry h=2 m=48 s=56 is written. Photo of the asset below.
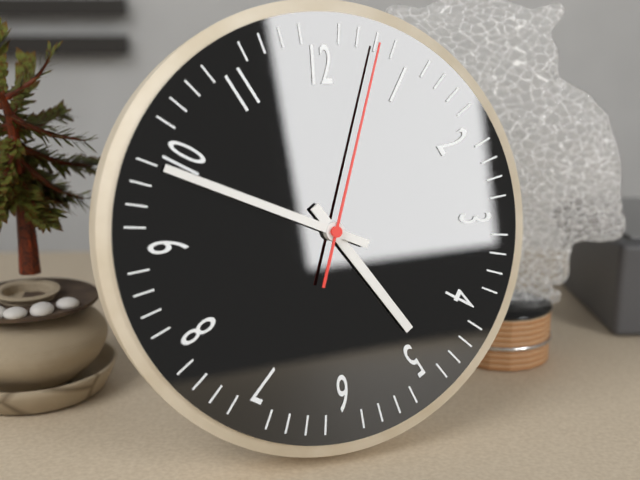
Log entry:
h=4 m=49 s=3
